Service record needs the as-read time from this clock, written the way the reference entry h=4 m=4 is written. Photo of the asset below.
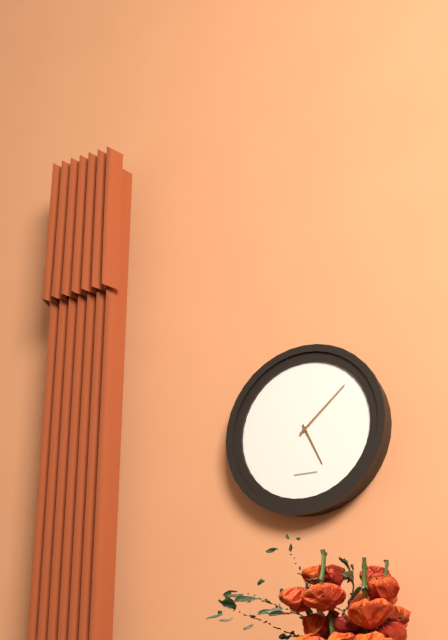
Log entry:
h=5 m=8
